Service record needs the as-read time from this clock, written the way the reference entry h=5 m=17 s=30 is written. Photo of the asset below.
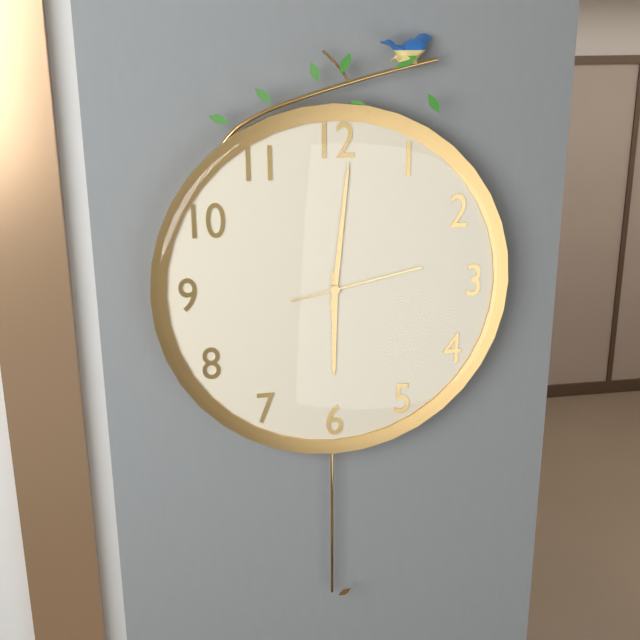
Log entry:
h=6 m=1 s=13
